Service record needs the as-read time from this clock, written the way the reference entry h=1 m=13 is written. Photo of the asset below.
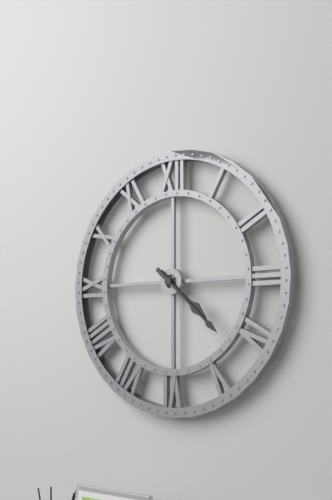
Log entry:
h=4 m=22
